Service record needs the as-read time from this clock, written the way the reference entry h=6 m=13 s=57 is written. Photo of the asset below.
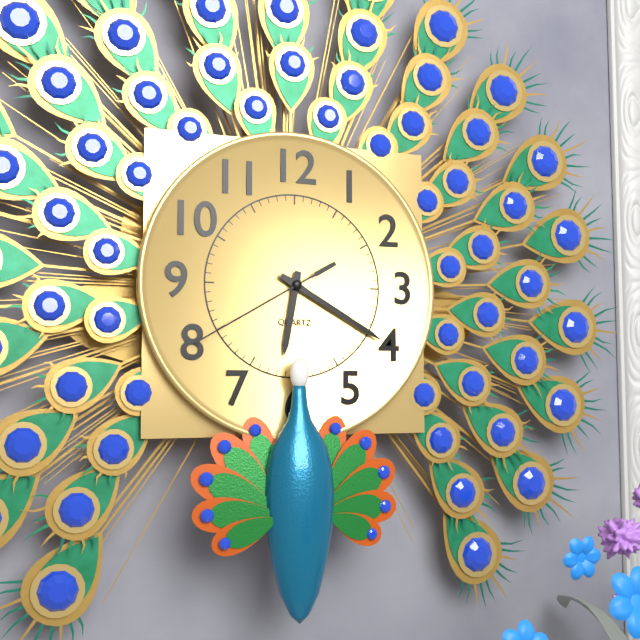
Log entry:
h=6 m=20 s=40
